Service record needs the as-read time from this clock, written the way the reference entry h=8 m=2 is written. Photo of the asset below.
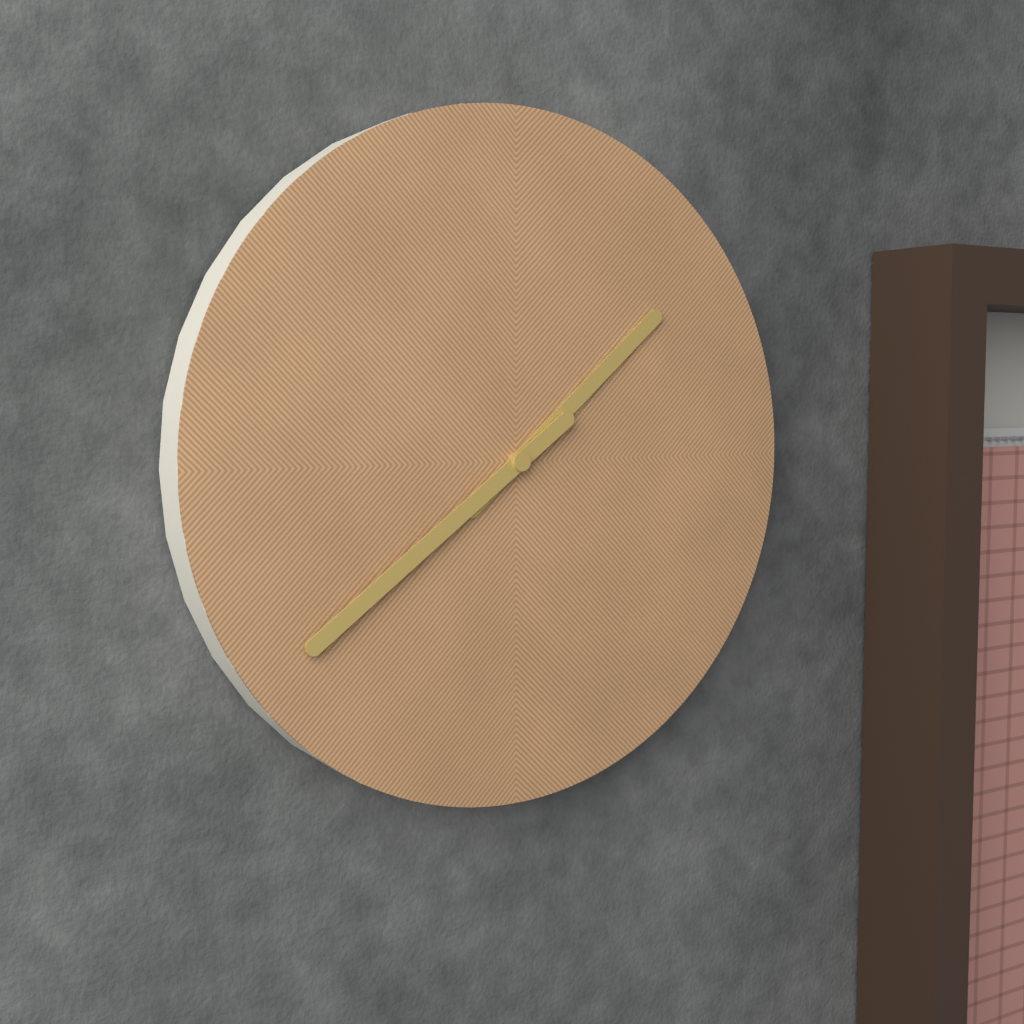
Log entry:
h=1 m=39
